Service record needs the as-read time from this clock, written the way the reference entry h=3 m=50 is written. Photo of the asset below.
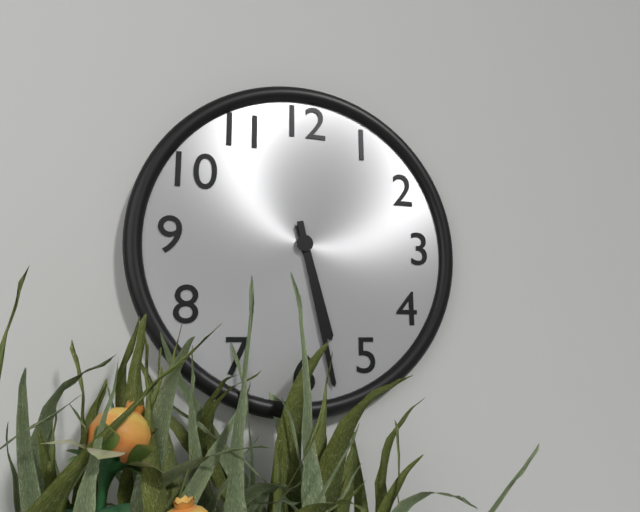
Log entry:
h=5 m=28
